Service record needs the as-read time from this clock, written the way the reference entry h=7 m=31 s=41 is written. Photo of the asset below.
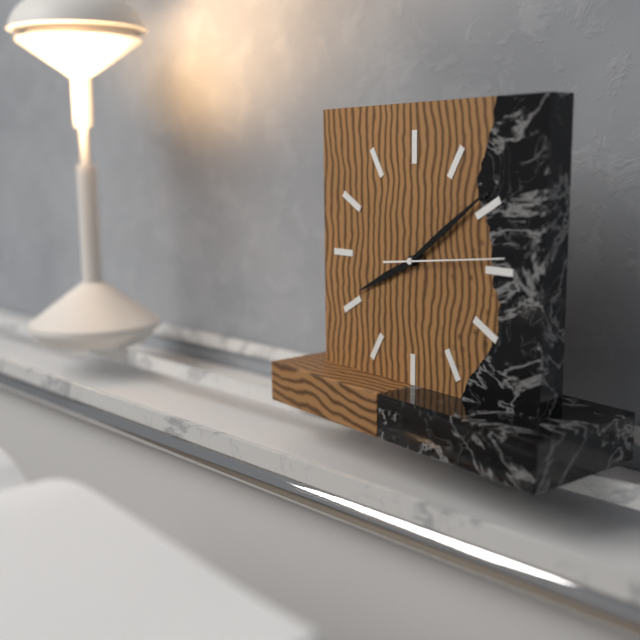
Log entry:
h=8 m=9 s=14
